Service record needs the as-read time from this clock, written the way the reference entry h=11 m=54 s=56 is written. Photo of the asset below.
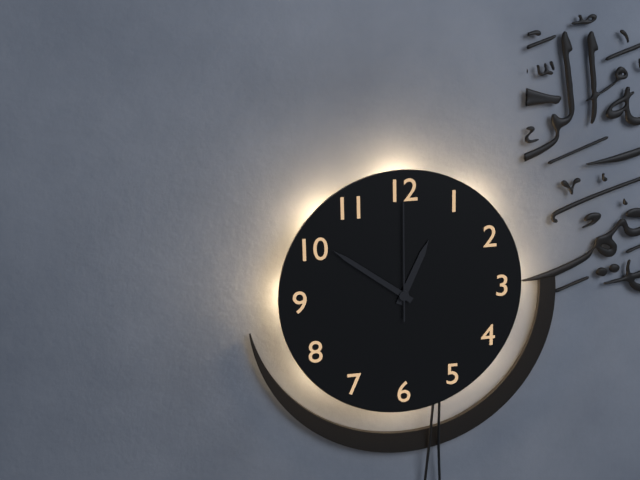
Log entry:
h=12 m=51 s=0
